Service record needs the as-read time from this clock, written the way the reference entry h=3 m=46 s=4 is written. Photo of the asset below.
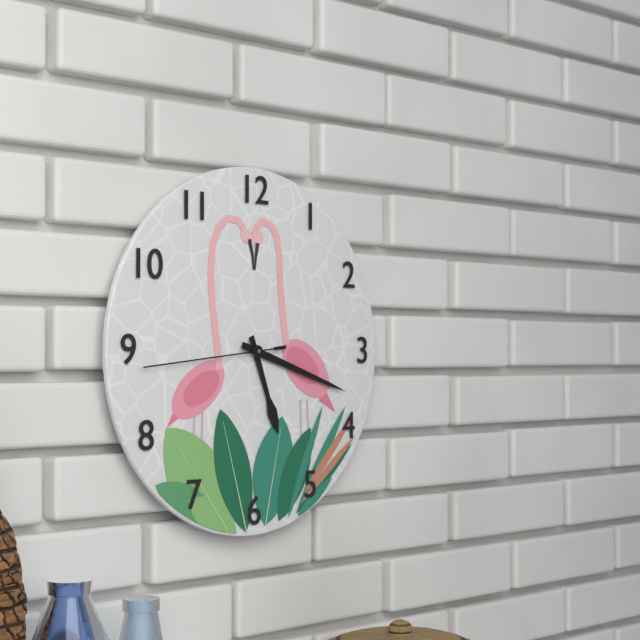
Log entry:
h=5 m=18 s=44
